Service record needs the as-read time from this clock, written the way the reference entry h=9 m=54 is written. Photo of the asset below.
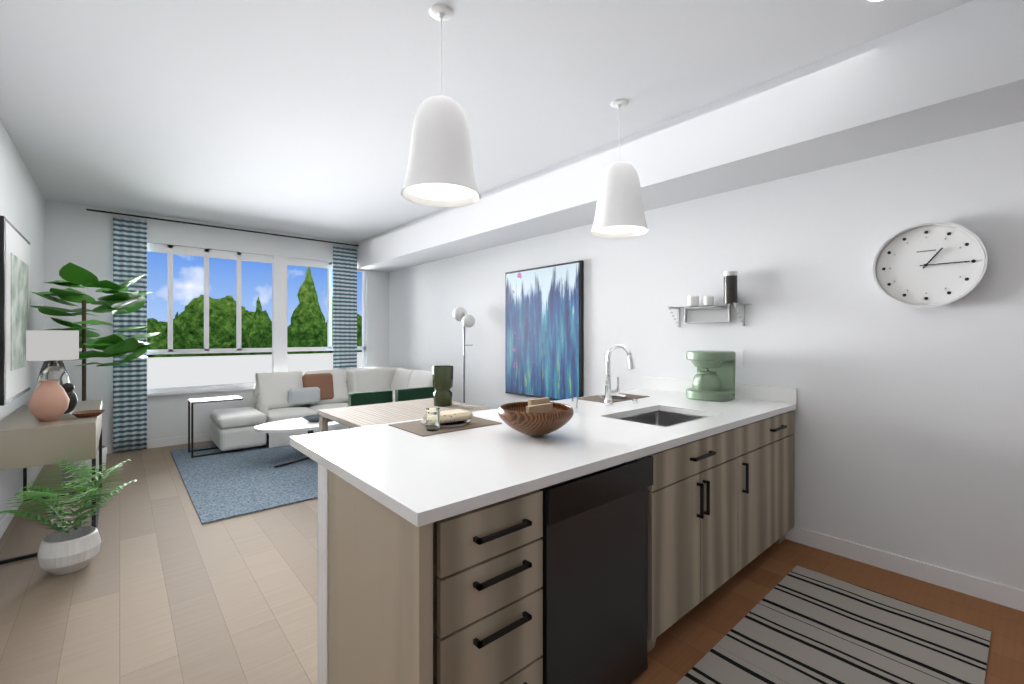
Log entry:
h=1 m=15
